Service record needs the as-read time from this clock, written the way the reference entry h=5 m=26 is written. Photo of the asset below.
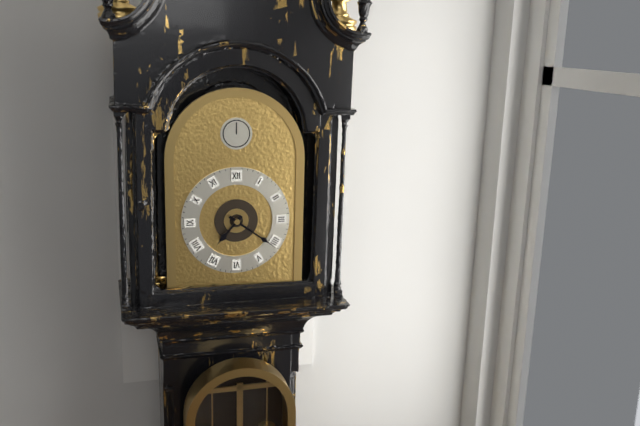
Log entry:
h=7 m=21
